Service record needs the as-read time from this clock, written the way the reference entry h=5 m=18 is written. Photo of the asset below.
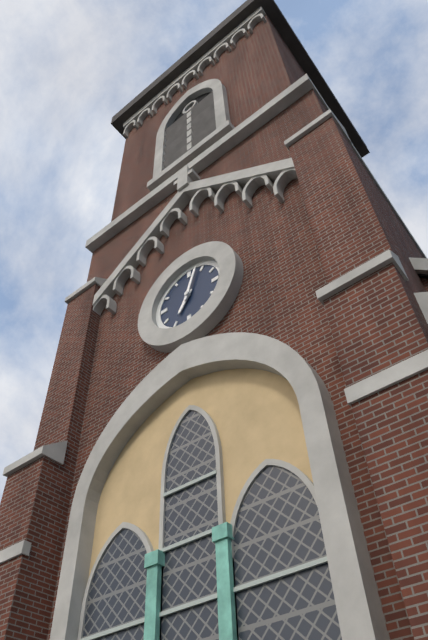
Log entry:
h=7 m=3
